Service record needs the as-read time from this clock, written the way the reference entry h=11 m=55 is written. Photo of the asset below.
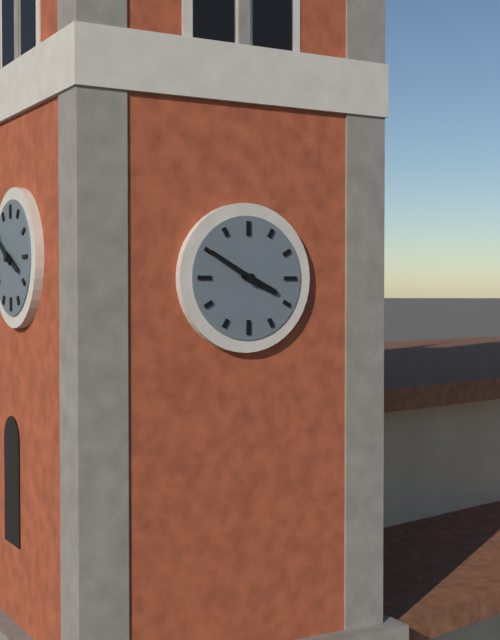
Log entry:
h=3 m=50
